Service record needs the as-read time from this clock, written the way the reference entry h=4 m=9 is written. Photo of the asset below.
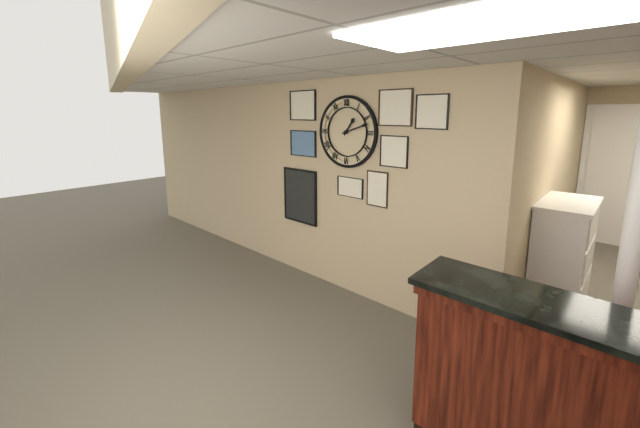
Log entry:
h=1 m=12
